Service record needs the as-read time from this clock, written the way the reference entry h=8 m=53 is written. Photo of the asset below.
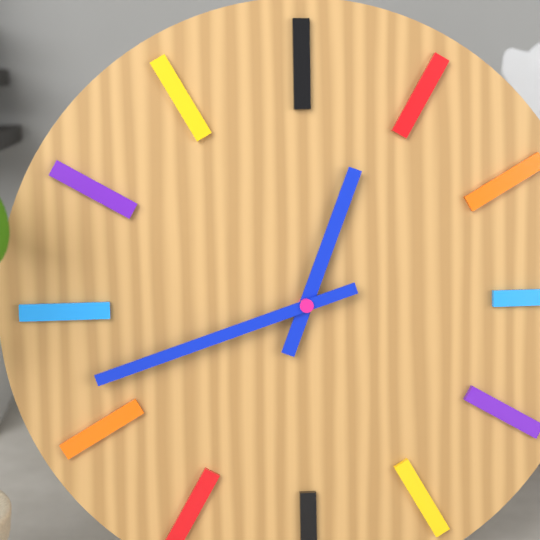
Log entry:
h=12 m=42
